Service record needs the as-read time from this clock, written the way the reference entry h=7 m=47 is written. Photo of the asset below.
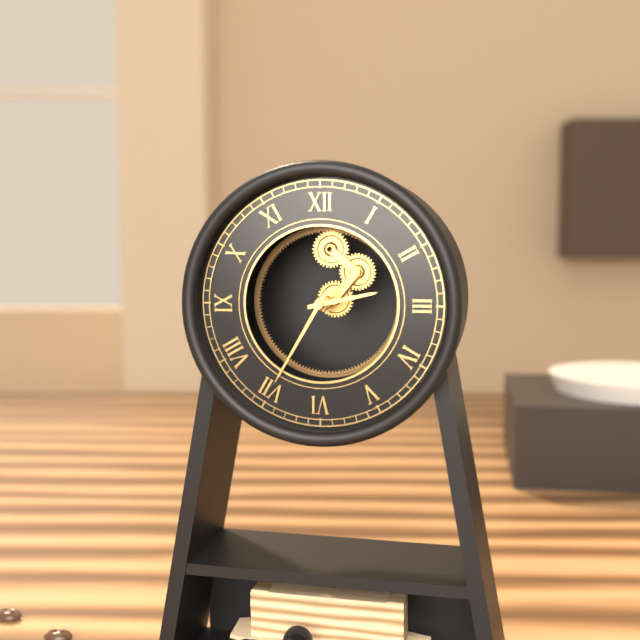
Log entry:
h=2 m=35
